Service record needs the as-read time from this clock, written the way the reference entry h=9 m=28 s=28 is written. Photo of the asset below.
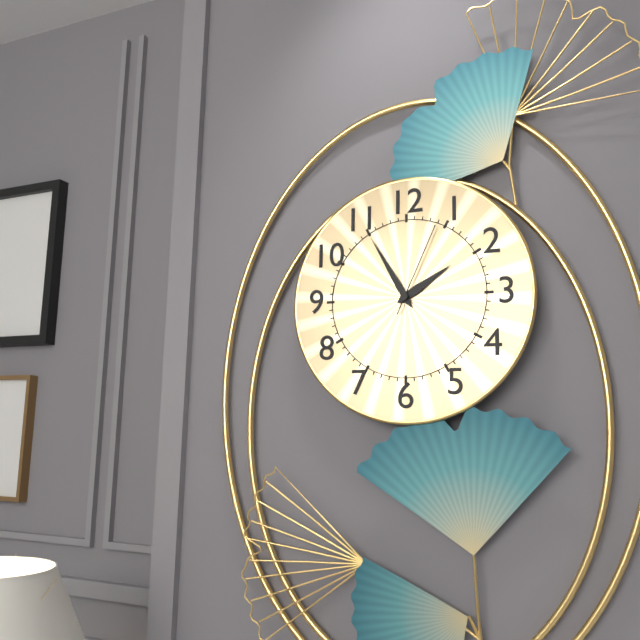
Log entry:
h=1 m=55 s=4
